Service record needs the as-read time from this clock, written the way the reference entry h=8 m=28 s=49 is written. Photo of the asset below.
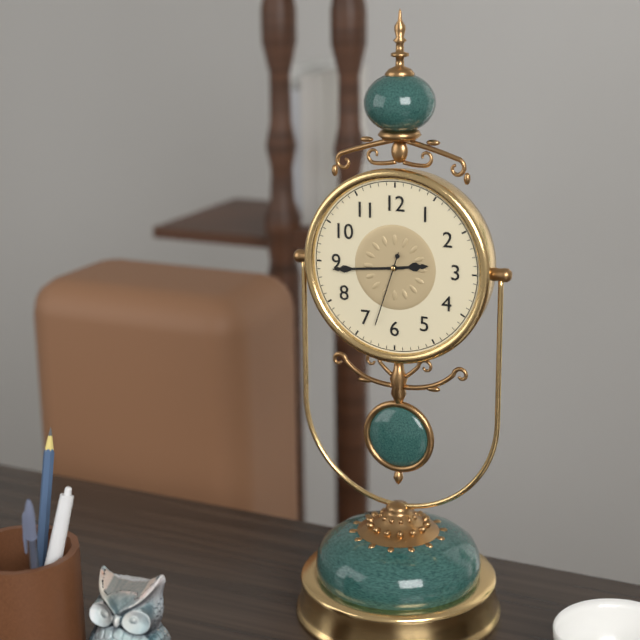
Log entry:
h=2 m=44 s=33
